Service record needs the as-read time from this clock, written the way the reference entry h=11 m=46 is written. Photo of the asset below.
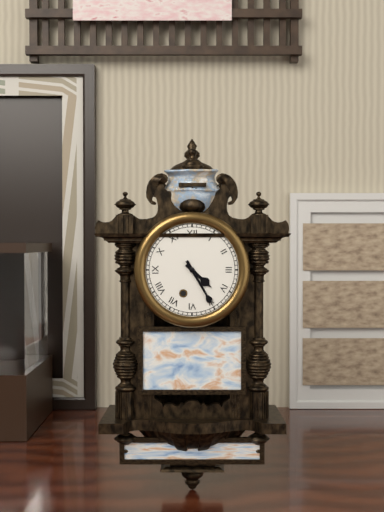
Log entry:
h=4 m=25
